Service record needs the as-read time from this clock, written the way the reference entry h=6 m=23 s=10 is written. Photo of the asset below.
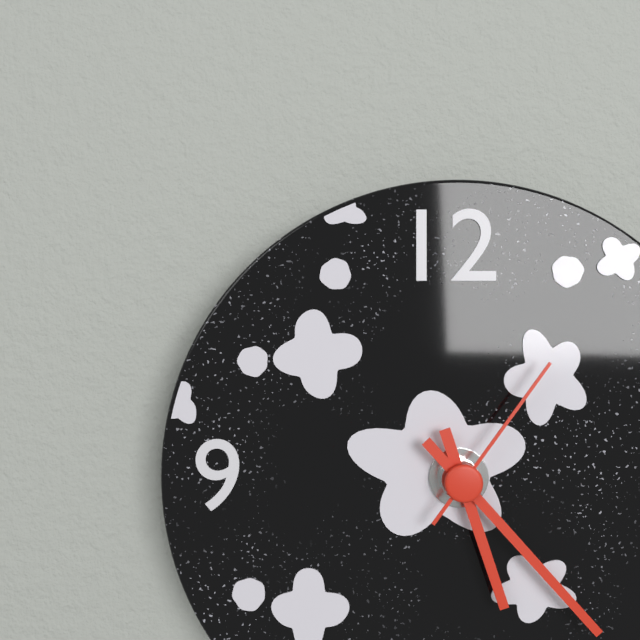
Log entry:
h=5 m=23 s=6
